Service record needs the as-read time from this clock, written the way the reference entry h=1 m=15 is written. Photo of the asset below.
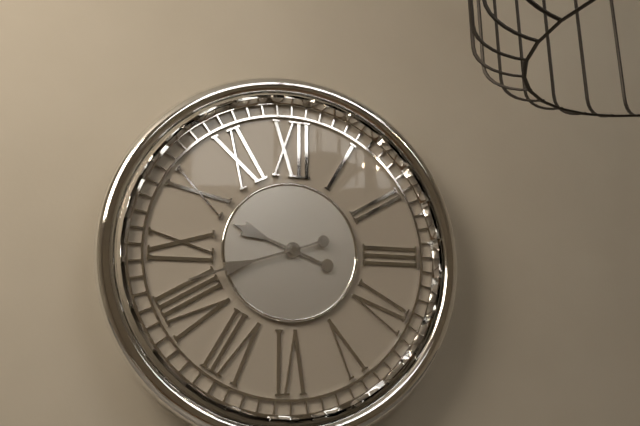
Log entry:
h=9 m=42
